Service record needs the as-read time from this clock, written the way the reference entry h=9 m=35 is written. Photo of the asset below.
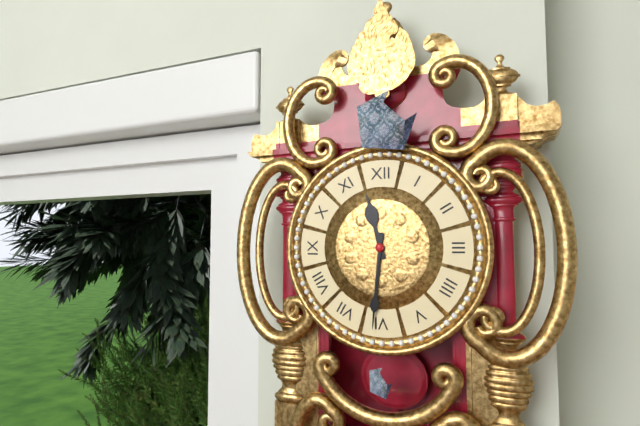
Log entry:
h=11 m=31
